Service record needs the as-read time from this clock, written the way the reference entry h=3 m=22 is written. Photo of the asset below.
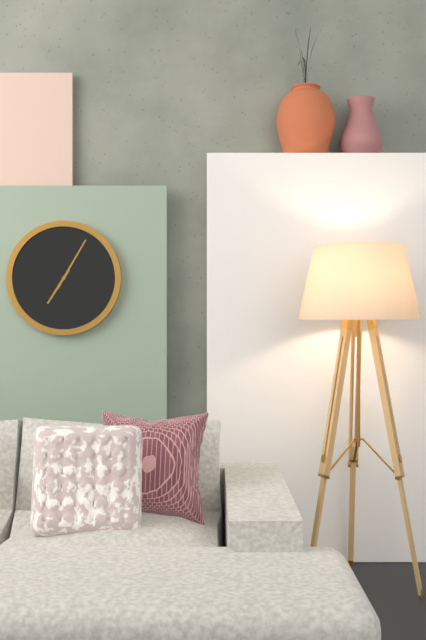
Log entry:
h=7 m=5
